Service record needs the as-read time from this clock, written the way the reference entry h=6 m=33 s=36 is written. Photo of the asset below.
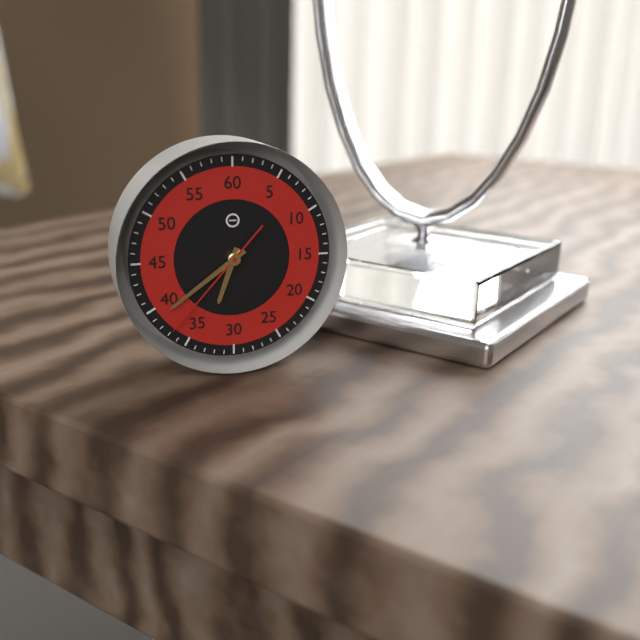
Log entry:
h=6 m=39 s=37
